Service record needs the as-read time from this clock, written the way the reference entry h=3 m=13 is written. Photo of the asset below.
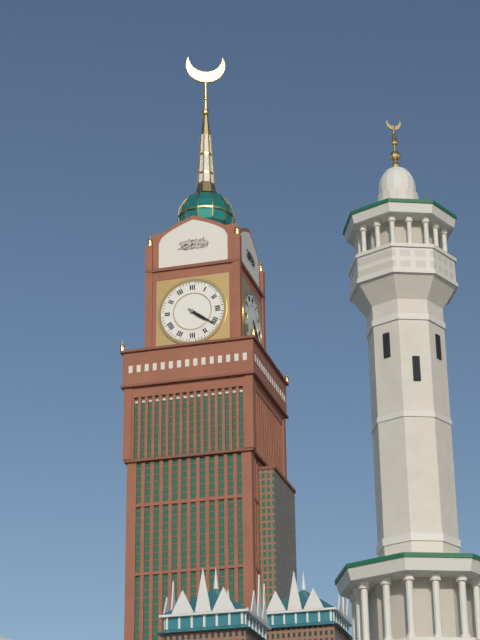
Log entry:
h=4 m=21
